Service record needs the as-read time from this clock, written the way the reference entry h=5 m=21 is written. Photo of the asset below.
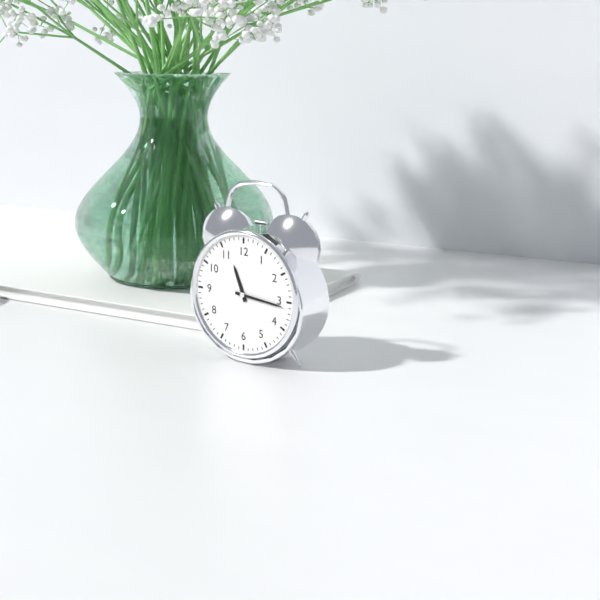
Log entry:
h=11 m=16
